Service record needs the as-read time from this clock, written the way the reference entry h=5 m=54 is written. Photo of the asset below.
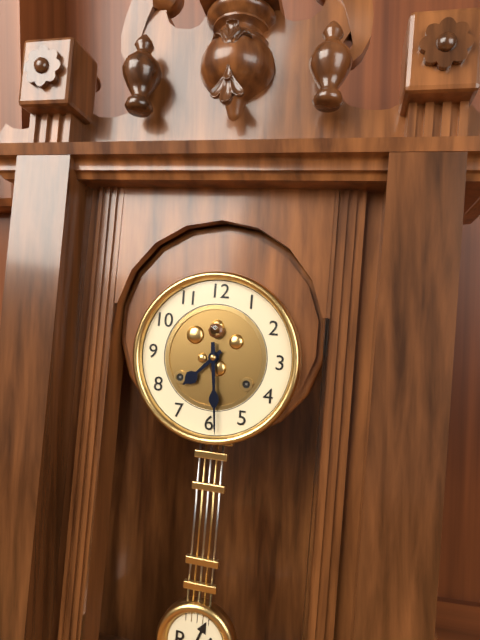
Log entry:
h=7 m=29
